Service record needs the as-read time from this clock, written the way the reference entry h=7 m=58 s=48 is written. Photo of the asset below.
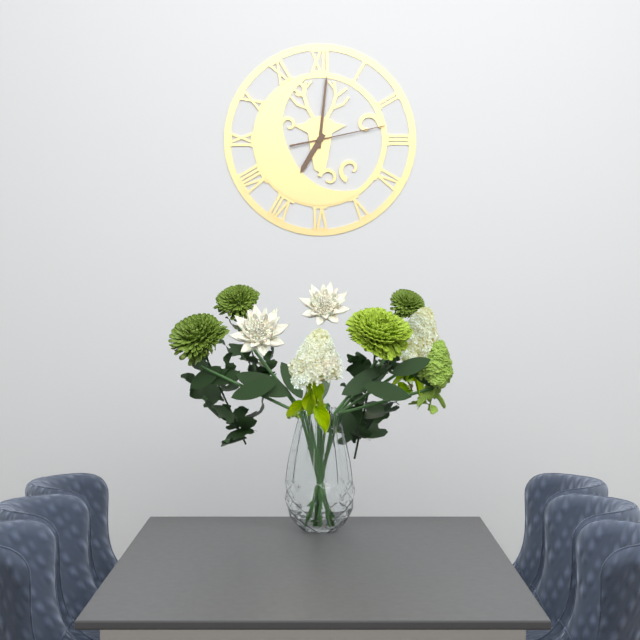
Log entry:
h=7 m=1 s=13
